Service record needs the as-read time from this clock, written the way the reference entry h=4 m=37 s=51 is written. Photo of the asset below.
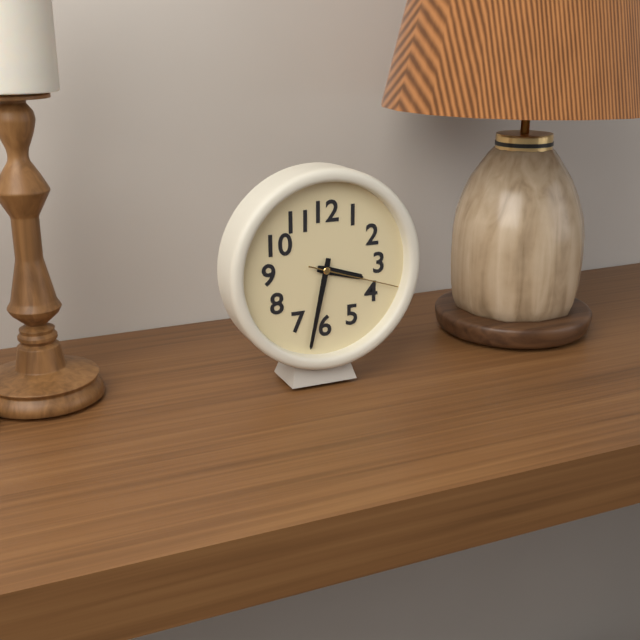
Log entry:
h=3 m=32 s=18
